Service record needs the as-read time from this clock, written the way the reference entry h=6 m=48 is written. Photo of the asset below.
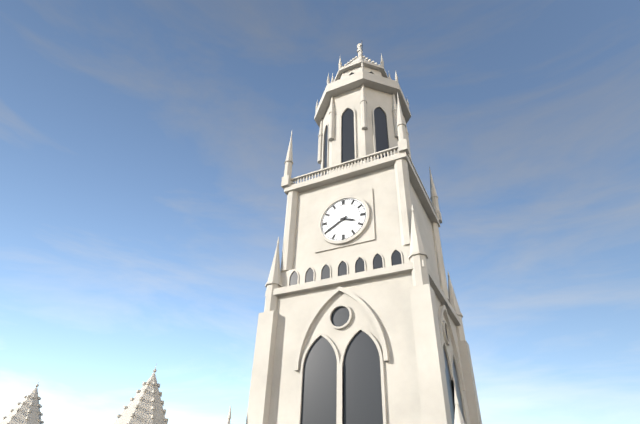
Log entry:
h=3 m=40
